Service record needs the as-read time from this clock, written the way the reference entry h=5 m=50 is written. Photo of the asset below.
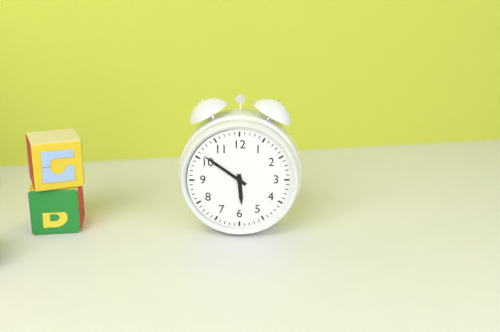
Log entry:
h=5 m=51
